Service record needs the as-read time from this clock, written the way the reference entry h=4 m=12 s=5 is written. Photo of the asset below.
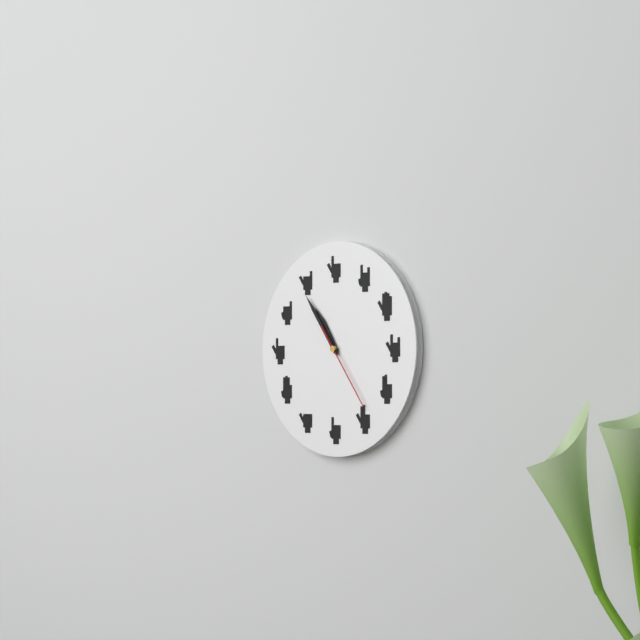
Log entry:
h=10 m=54 s=24
